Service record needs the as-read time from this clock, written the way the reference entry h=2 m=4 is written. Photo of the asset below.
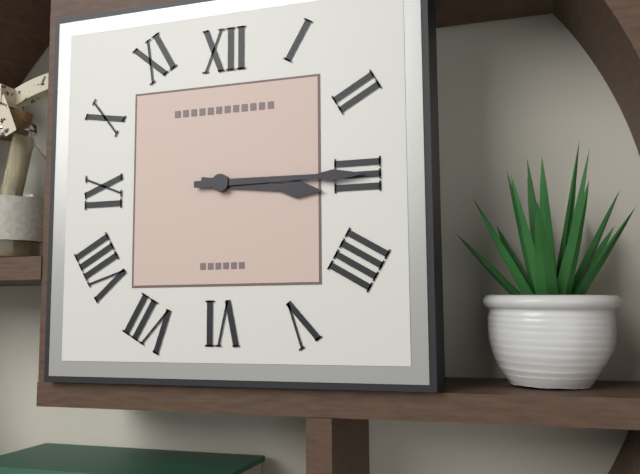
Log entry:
h=3 m=15
